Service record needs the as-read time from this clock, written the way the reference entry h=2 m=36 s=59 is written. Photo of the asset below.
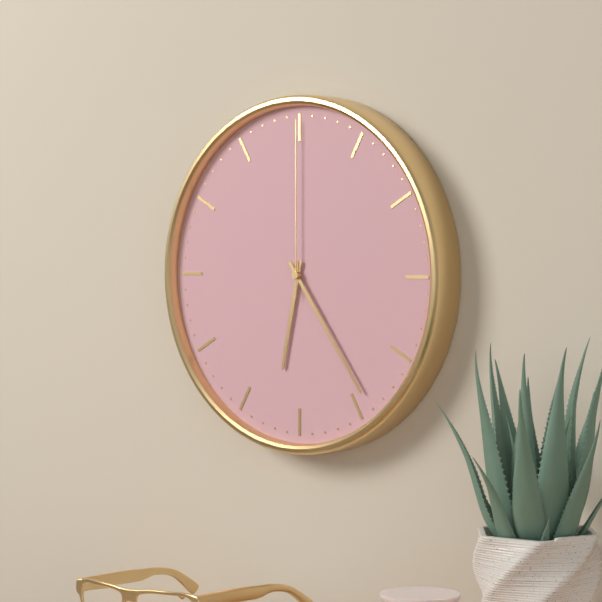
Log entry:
h=6 m=24 s=0
